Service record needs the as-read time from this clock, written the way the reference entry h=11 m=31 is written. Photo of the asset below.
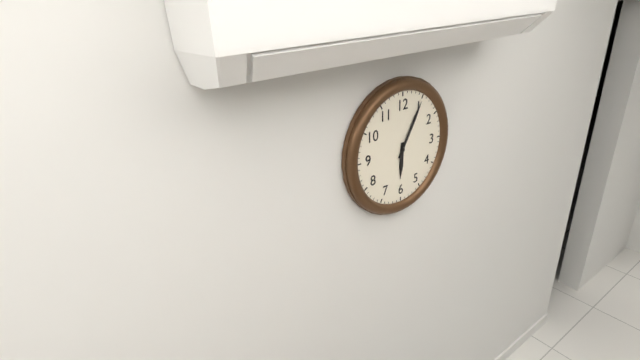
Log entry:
h=6 m=5
